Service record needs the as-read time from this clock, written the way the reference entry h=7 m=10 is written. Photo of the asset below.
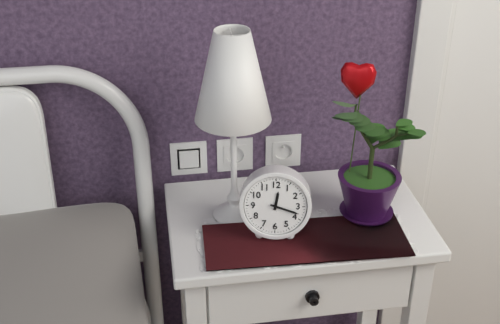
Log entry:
h=12 m=18
